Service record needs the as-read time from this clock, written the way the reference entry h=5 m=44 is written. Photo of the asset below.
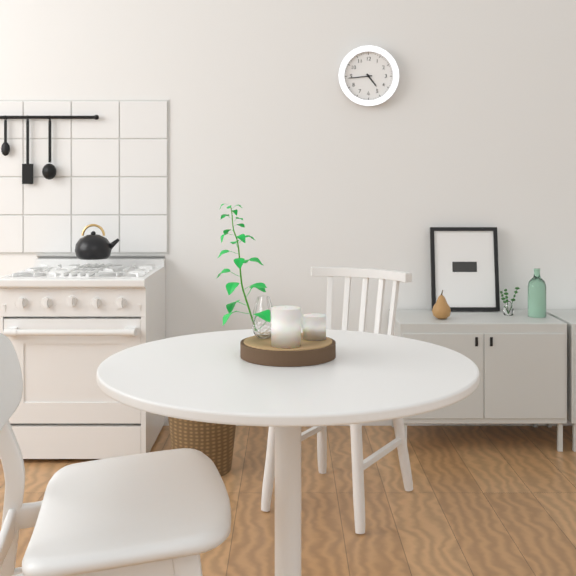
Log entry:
h=4 m=44
